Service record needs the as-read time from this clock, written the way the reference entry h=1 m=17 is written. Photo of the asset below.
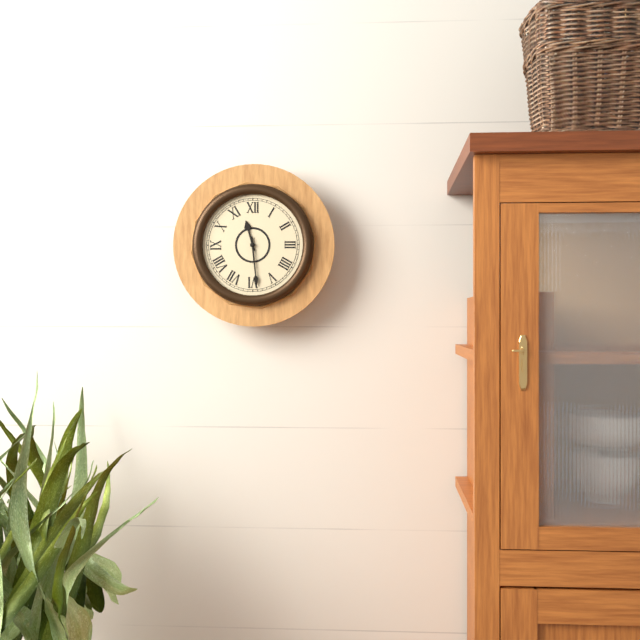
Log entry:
h=11 m=29
